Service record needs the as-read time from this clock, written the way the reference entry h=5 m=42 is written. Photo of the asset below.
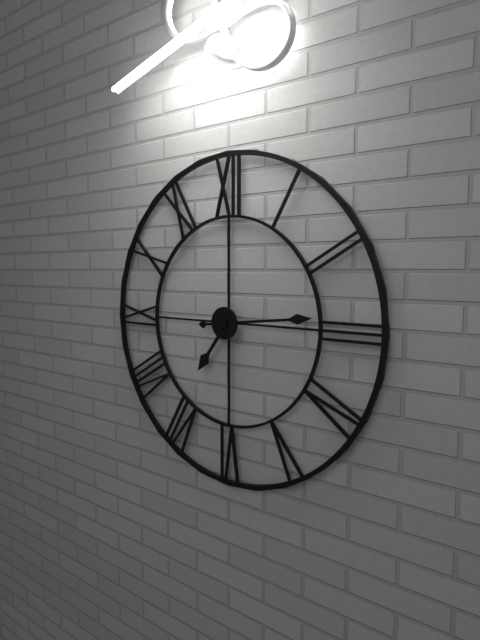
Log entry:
h=7 m=14
